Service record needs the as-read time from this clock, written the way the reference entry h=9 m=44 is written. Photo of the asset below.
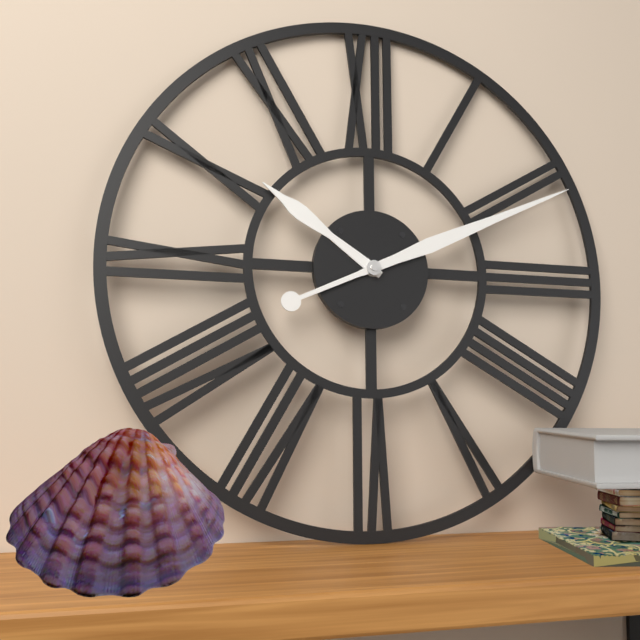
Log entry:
h=10 m=11
